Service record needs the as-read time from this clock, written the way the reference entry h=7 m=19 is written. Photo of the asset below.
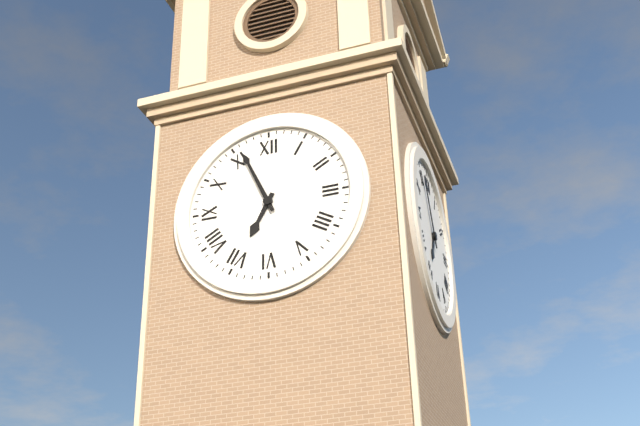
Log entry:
h=6 m=56
